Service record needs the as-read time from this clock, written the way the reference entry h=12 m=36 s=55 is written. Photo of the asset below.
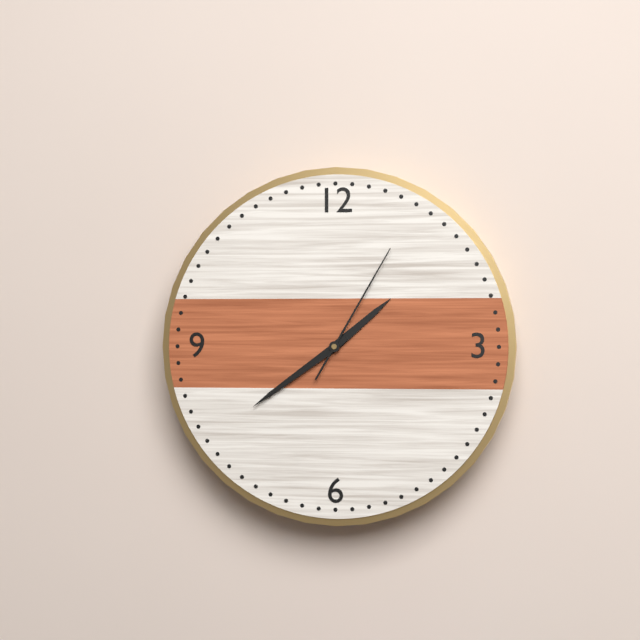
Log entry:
h=1 m=39 s=5
